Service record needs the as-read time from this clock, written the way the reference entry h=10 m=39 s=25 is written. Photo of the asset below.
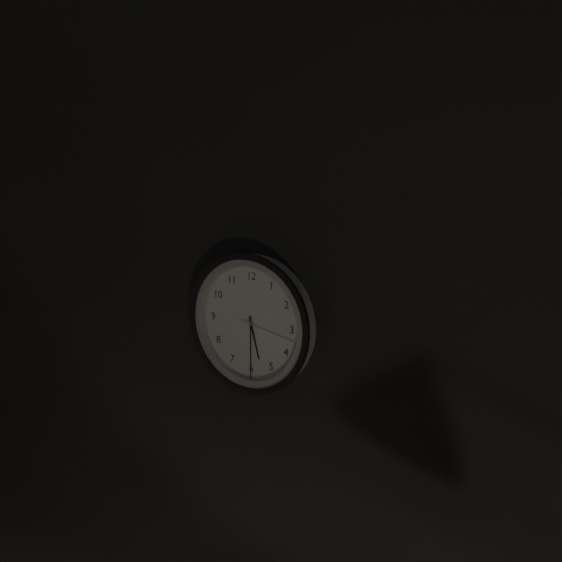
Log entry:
h=5 m=30 s=17
